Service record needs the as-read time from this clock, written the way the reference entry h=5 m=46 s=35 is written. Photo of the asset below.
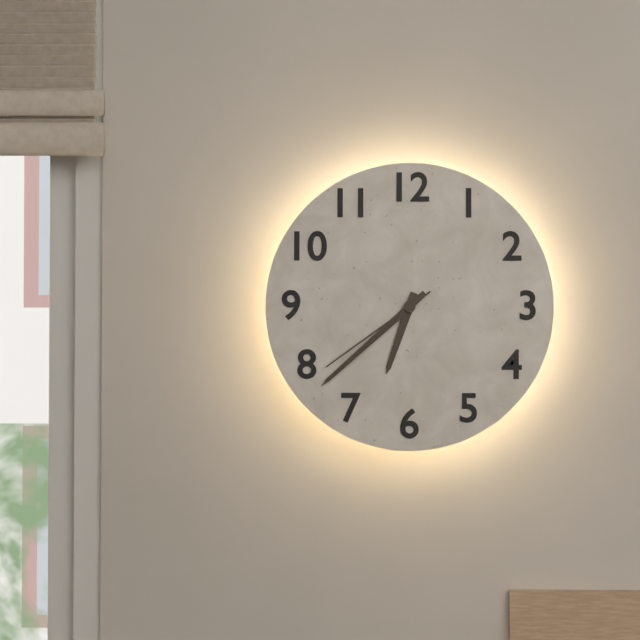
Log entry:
h=6 m=38 s=39
